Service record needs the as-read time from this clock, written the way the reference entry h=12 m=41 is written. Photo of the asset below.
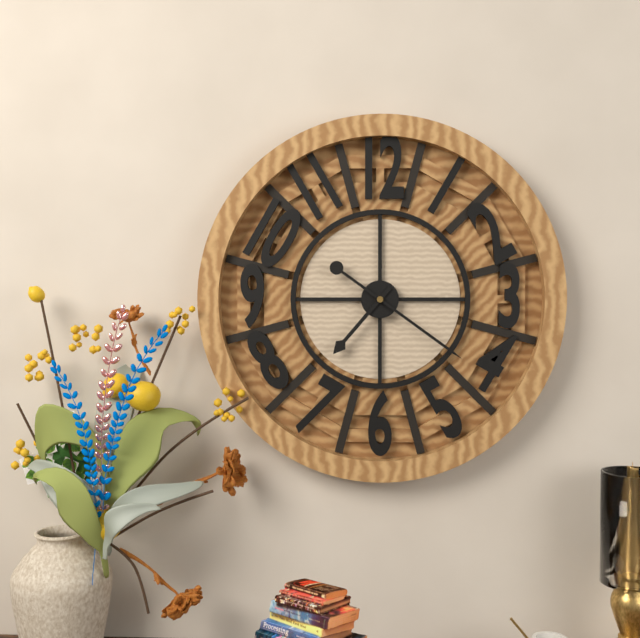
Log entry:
h=7 m=21
